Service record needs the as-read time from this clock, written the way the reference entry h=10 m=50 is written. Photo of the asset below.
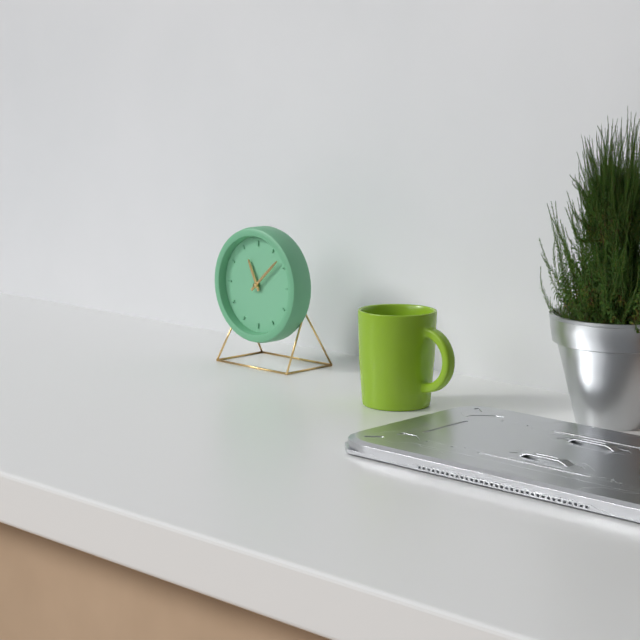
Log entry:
h=11 m=8
